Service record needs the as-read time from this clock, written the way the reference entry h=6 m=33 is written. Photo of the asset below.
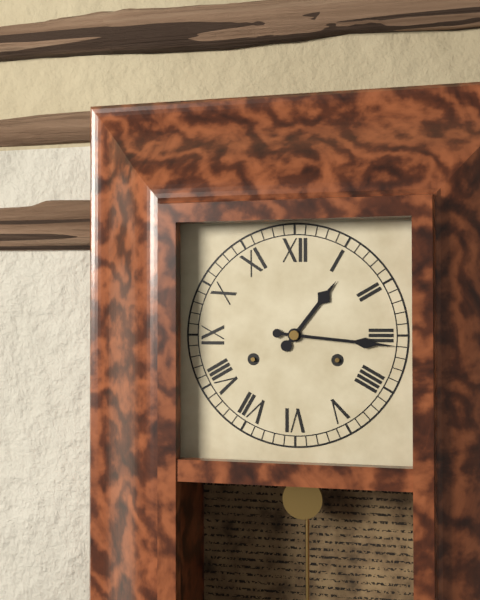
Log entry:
h=1 m=16
